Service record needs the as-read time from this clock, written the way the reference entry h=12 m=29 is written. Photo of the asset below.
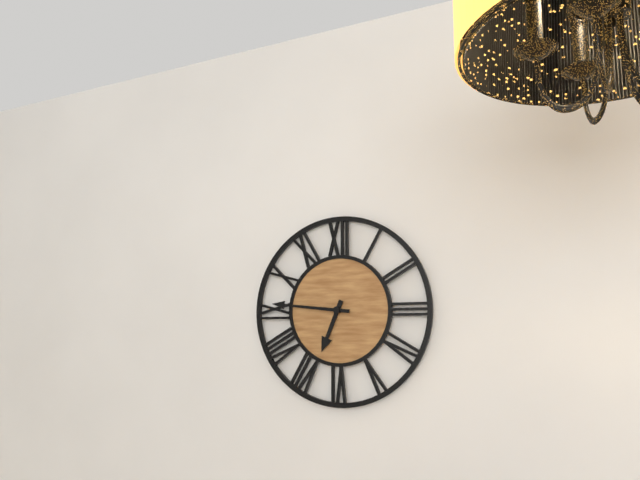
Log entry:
h=6 m=46
